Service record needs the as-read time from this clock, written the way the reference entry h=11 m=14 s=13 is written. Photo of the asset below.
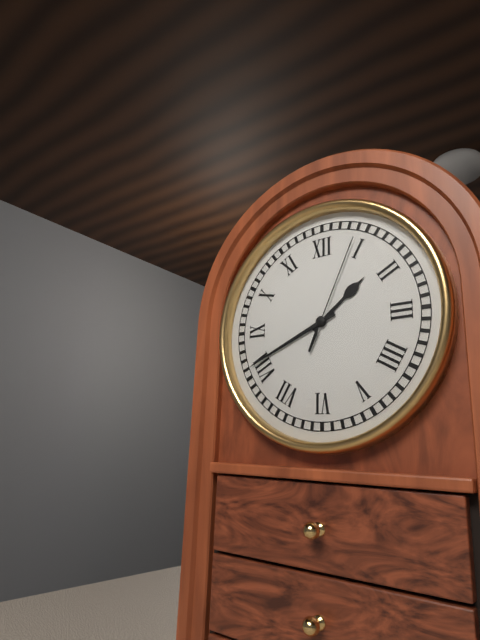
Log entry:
h=1 m=41 s=4
